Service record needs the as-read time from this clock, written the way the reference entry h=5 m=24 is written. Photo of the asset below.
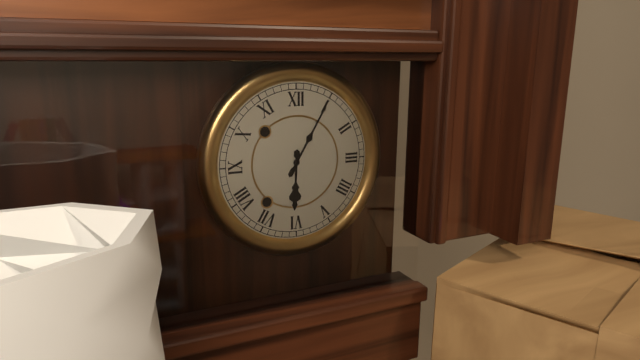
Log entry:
h=6 m=5
